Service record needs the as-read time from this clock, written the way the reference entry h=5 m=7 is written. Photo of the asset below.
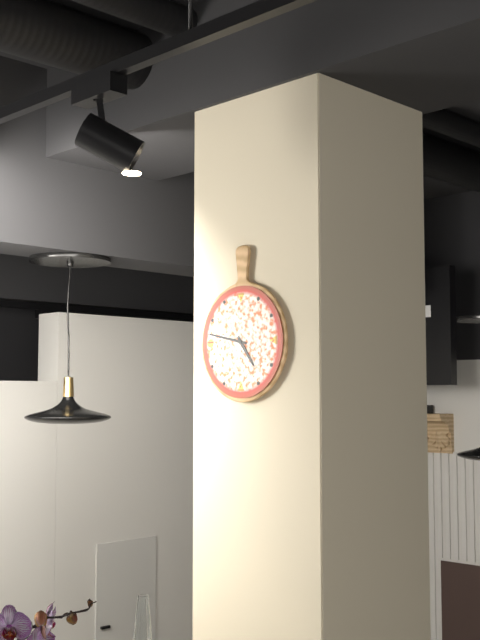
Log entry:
h=4 m=47
